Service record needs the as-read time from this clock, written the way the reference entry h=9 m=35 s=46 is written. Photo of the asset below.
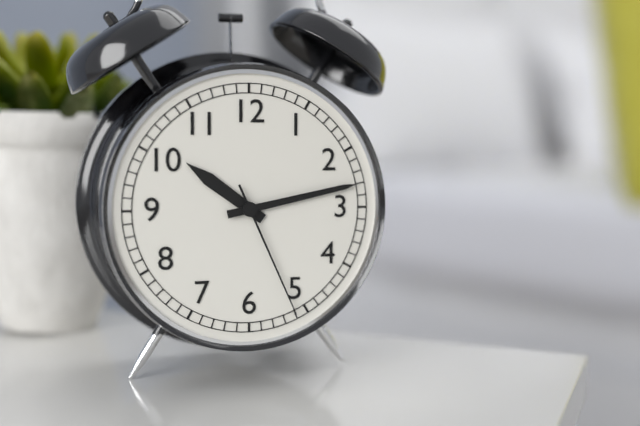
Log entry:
h=10 m=13 s=26
